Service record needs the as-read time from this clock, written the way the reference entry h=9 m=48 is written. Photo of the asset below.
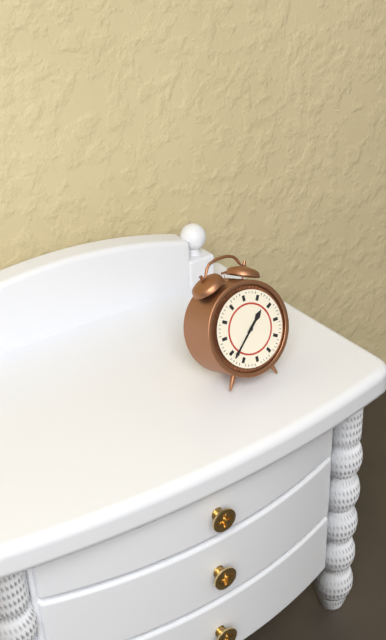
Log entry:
h=1 m=38
